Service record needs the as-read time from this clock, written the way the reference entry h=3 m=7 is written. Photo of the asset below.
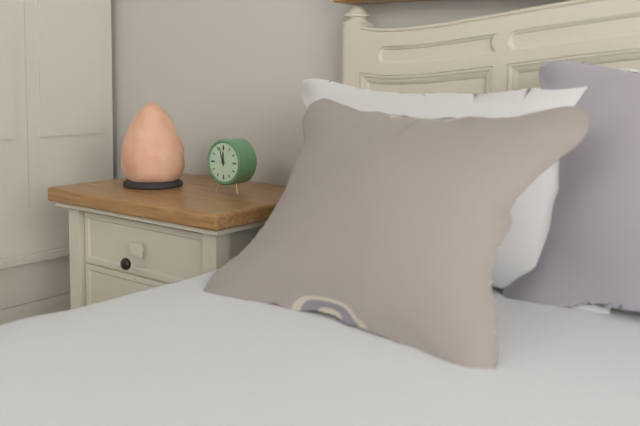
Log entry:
h=11 m=57
